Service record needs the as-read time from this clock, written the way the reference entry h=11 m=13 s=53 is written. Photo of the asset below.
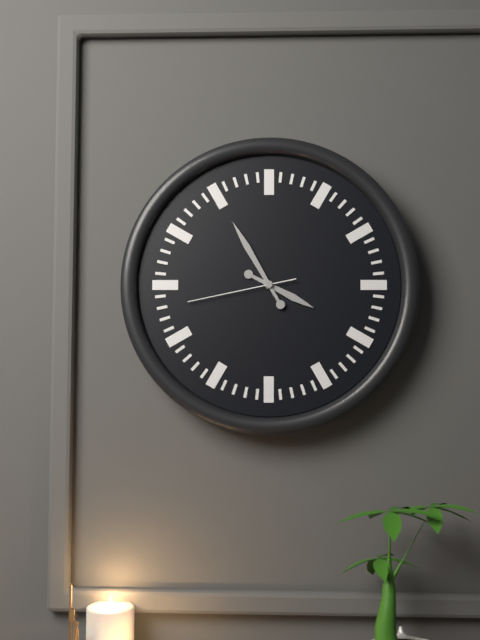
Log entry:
h=3 m=55 s=43
